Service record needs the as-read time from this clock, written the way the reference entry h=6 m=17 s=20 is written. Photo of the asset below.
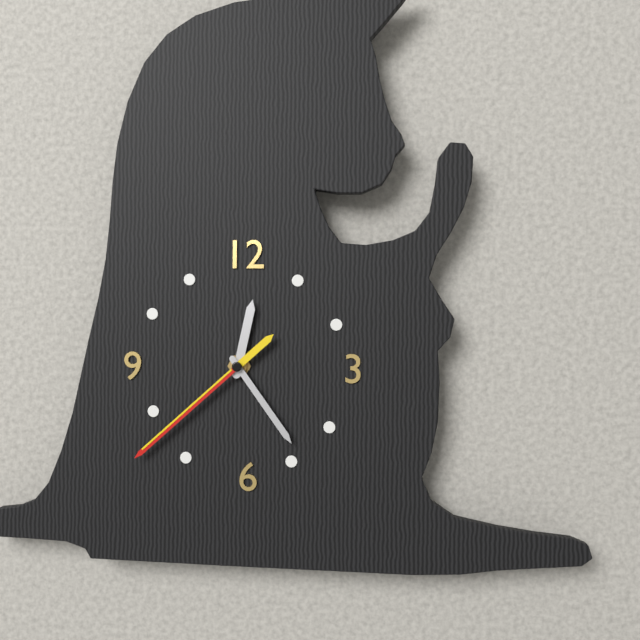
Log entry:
h=12 m=24 s=38
